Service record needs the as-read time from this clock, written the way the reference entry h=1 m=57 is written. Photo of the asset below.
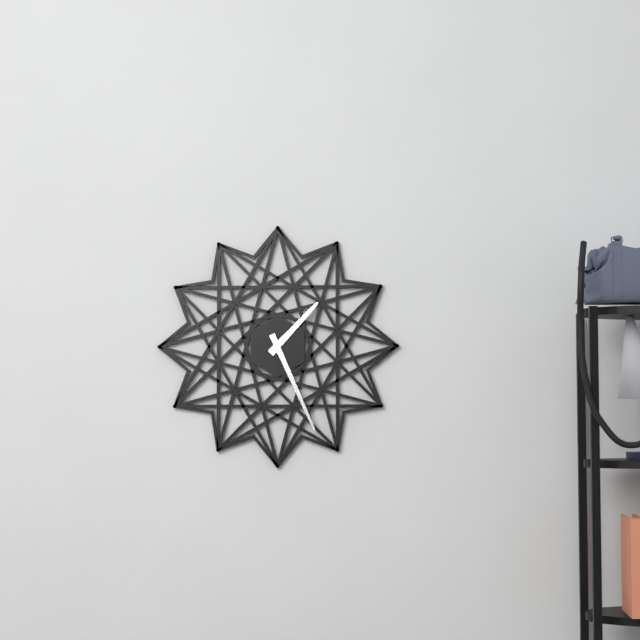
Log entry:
h=1 m=26
